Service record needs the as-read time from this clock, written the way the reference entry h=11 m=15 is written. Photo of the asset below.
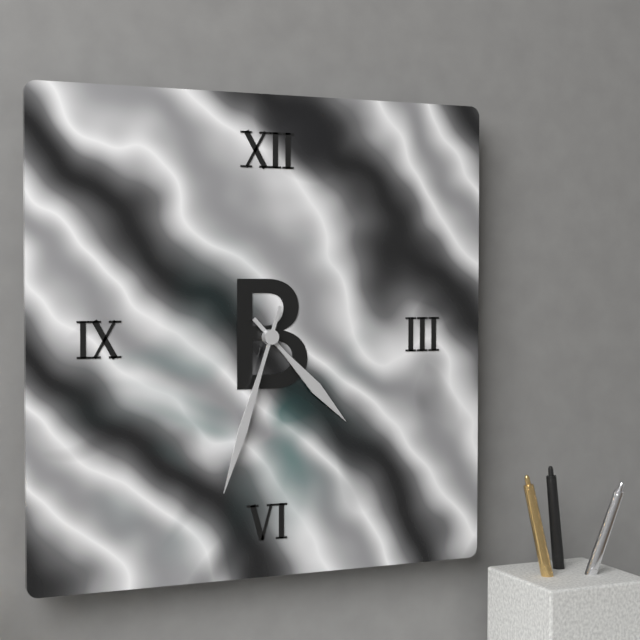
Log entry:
h=4 m=33
